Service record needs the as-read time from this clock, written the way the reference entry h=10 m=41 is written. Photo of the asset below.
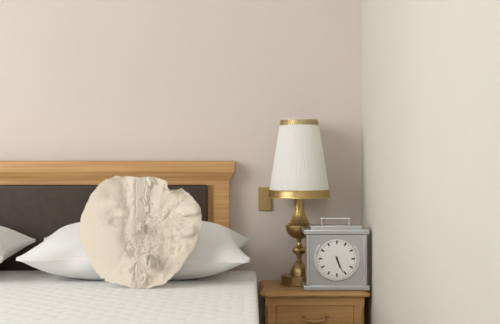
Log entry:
h=5 m=26
